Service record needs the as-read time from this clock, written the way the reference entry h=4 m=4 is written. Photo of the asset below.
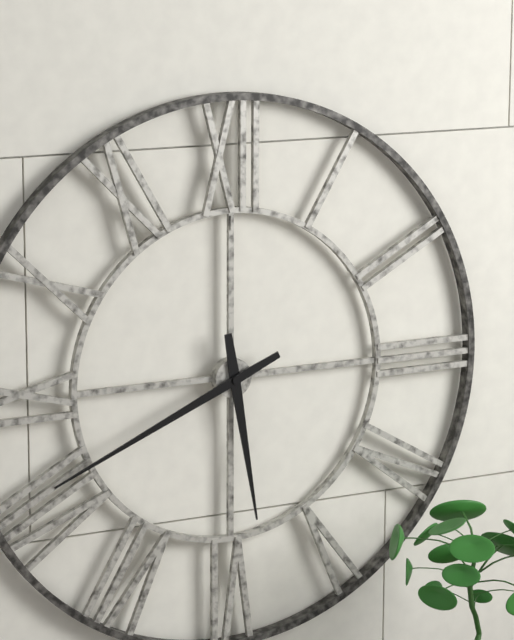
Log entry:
h=5 m=41
